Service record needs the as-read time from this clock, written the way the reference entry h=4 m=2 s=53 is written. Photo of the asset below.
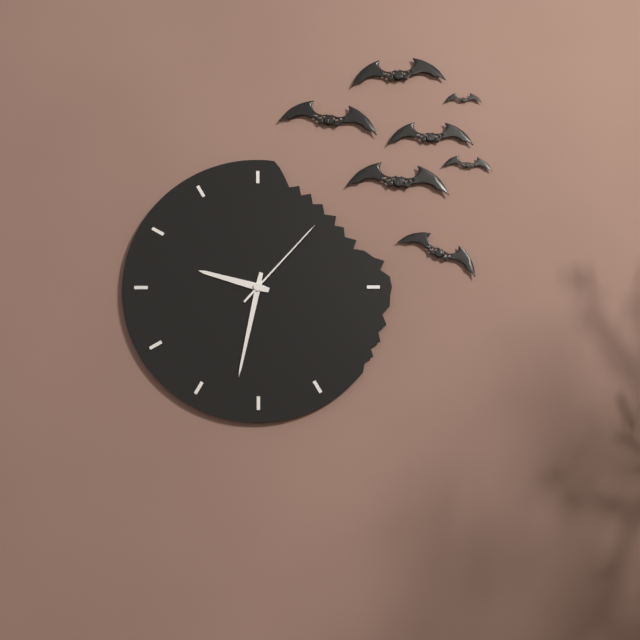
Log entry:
h=9 m=32 s=7
